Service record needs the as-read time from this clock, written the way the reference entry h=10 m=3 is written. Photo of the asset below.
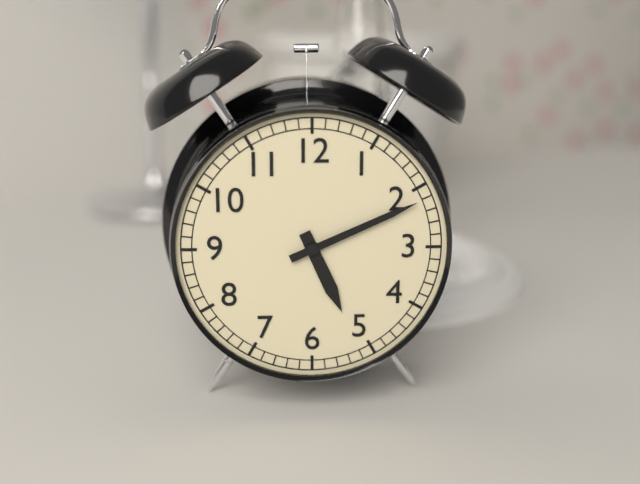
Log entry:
h=5 m=11
